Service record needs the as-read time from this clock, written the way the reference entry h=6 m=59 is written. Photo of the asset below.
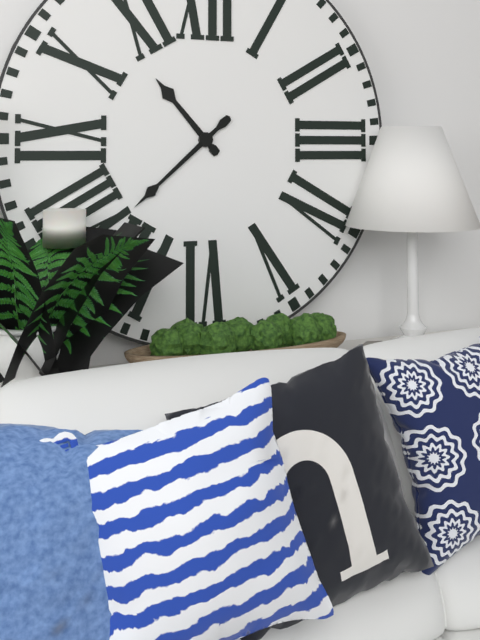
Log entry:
h=10 m=38
